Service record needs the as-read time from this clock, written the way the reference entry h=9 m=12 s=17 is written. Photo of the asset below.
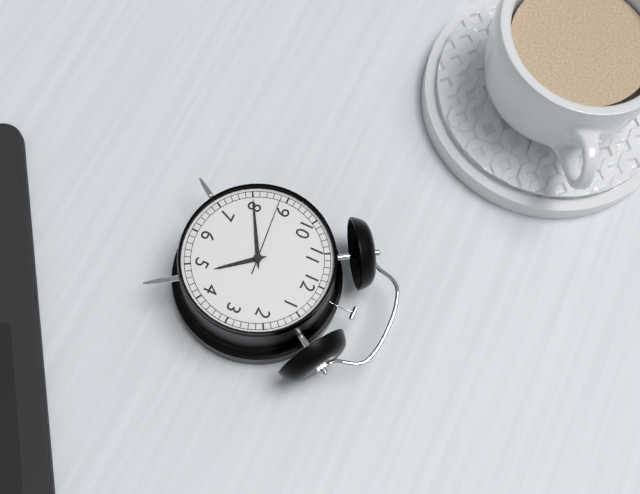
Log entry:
h=4 m=40 s=44
